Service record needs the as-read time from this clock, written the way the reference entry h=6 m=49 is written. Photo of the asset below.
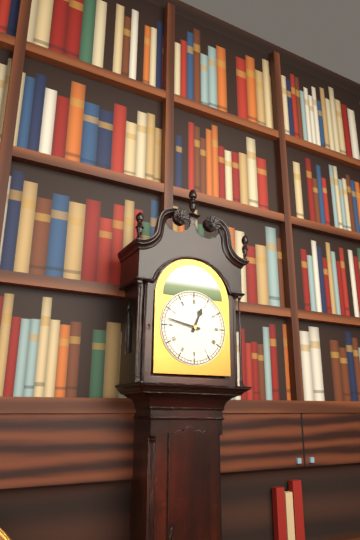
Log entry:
h=12 m=47
